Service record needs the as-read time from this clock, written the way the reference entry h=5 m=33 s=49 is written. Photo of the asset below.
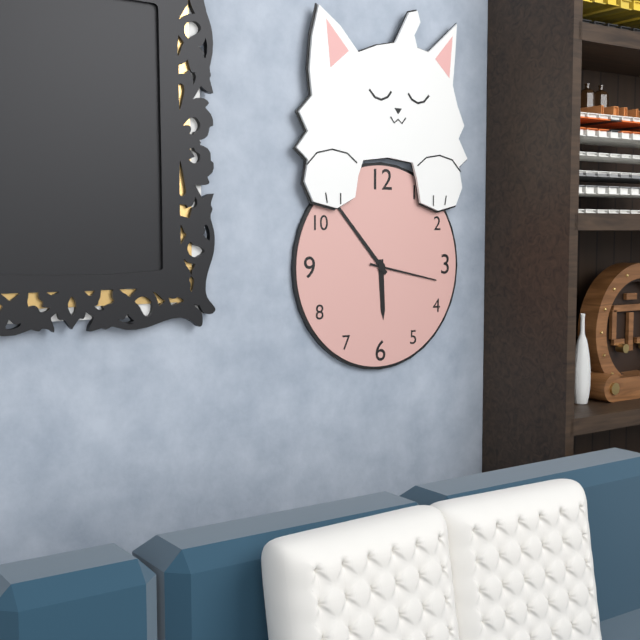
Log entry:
h=5 m=53 s=17
